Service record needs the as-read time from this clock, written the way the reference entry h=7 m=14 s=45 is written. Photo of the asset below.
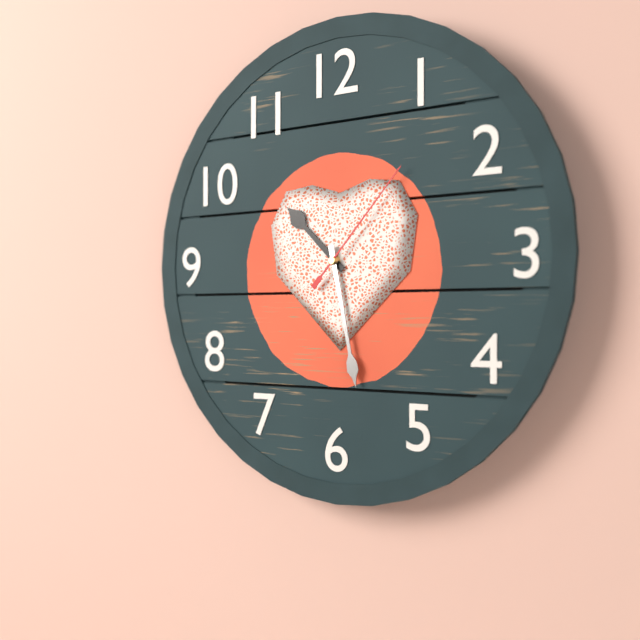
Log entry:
h=10 m=28 s=7
